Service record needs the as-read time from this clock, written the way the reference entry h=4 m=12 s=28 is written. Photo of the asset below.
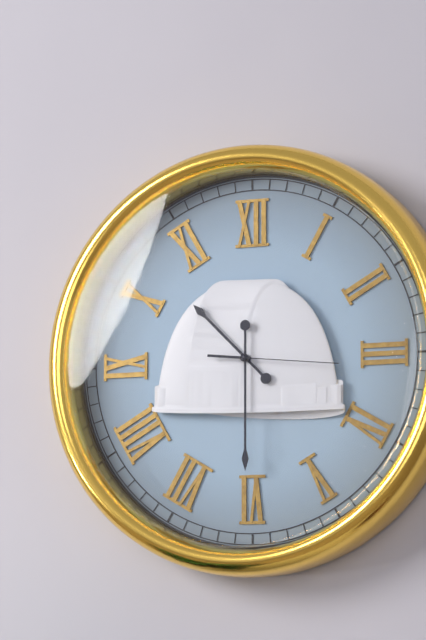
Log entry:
h=10 m=30 s=16
